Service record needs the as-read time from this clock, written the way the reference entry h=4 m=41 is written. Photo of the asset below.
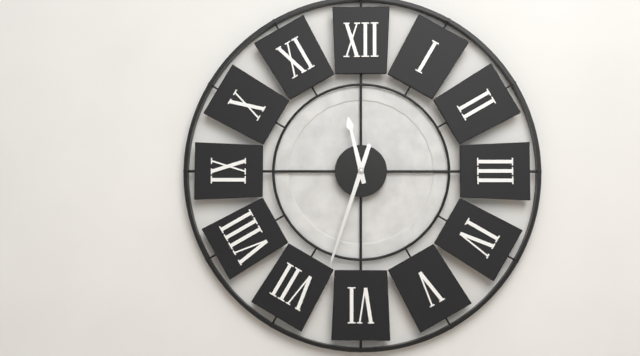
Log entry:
h=11 m=33
